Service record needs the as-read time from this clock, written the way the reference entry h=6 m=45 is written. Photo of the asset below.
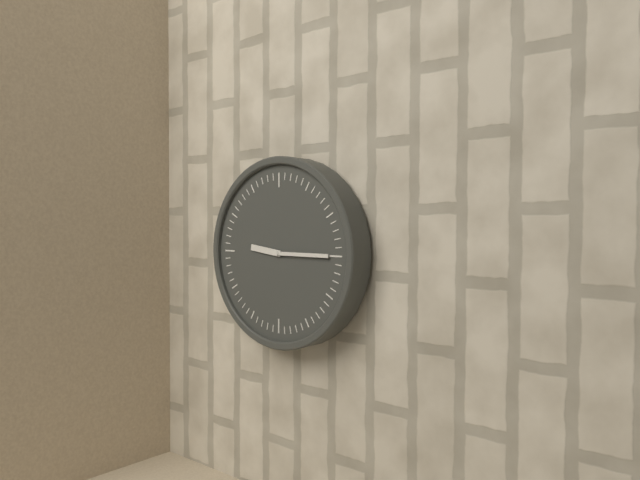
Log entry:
h=9 m=15
